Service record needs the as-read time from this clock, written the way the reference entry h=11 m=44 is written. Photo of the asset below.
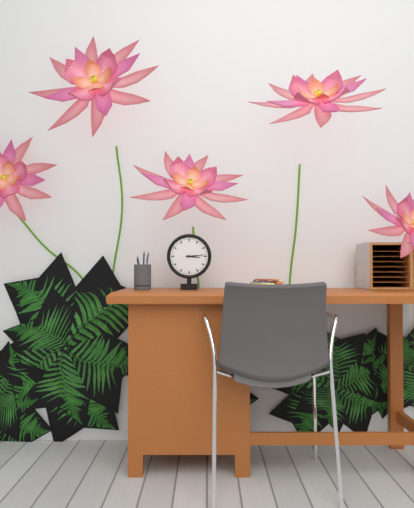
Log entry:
h=3 m=14
